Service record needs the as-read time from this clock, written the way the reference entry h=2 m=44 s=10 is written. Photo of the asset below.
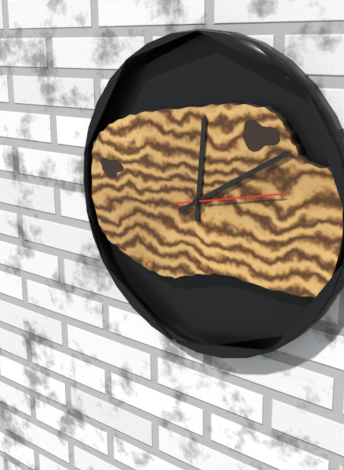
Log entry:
h=12 m=10 s=13
